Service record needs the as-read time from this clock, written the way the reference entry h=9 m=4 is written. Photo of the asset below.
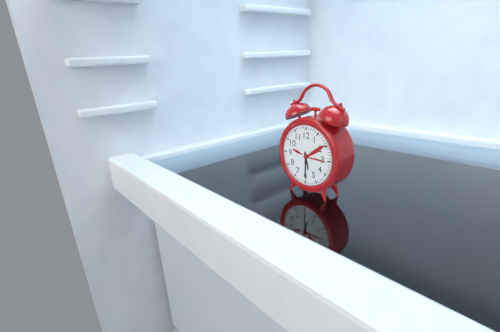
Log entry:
h=5 m=30
